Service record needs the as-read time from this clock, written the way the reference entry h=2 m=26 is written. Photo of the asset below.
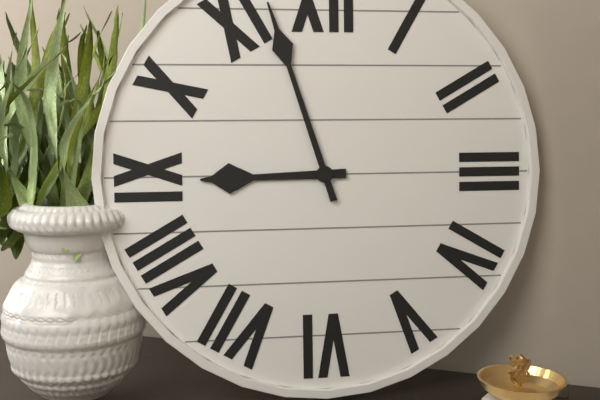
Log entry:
h=8 m=57
